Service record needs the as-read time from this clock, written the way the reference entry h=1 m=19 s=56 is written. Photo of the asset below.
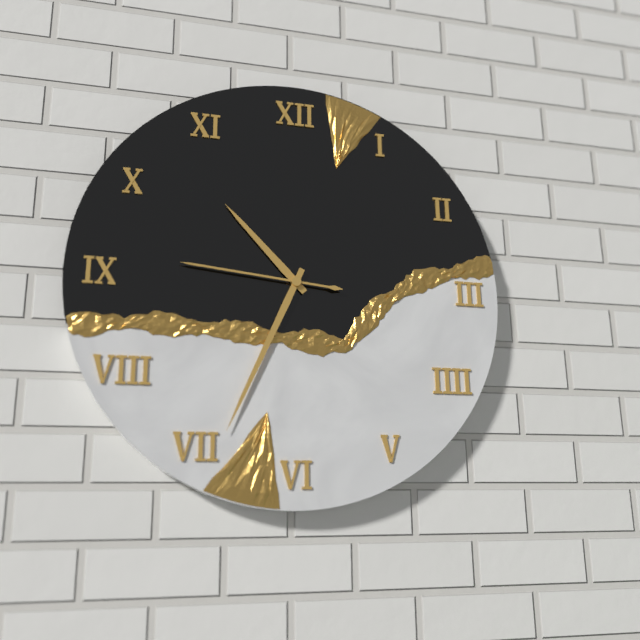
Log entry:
h=10 m=34 s=46
